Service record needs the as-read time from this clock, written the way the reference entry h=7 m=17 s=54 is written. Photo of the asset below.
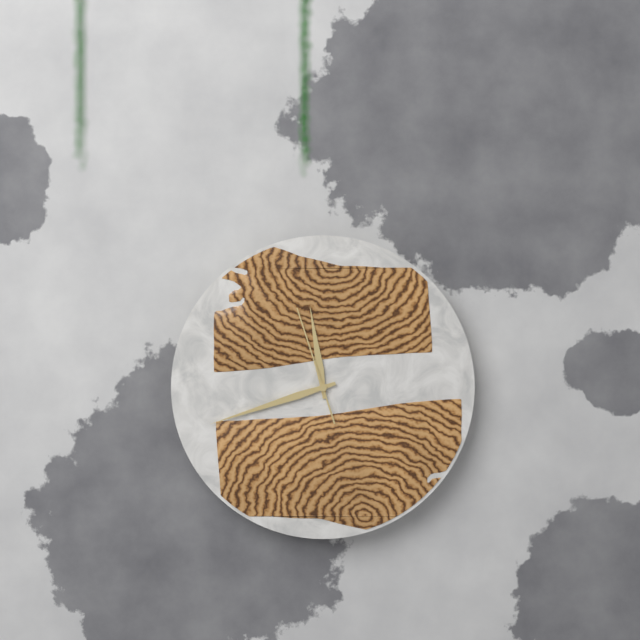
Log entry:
h=11 m=42 s=57
